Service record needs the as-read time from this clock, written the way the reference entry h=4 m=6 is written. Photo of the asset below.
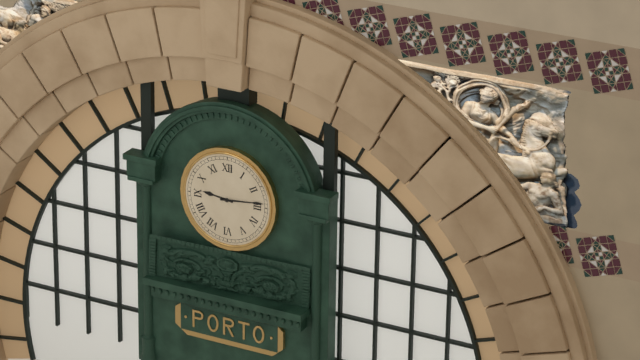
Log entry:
h=9 m=14
